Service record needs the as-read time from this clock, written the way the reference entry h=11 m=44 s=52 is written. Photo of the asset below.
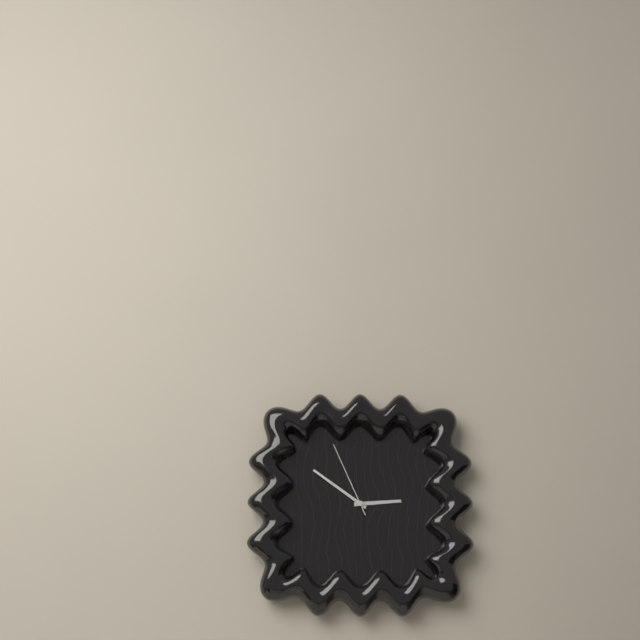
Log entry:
h=2 m=51 s=56
